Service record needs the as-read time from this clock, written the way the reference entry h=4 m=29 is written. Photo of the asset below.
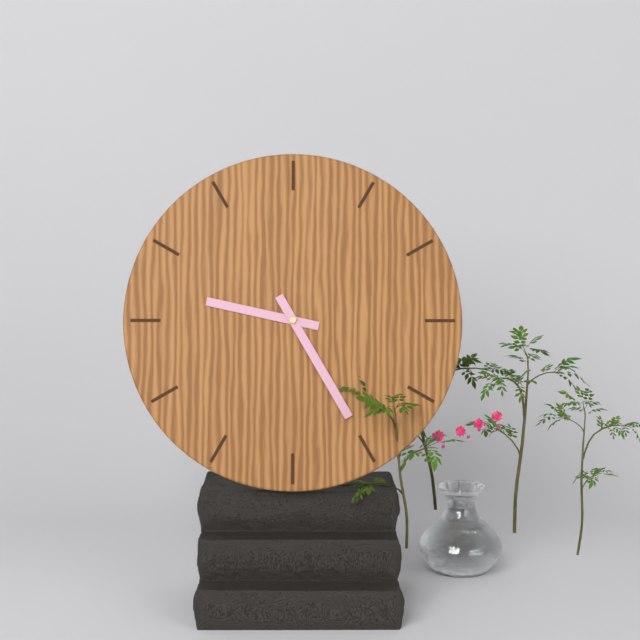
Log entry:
h=9 m=25
